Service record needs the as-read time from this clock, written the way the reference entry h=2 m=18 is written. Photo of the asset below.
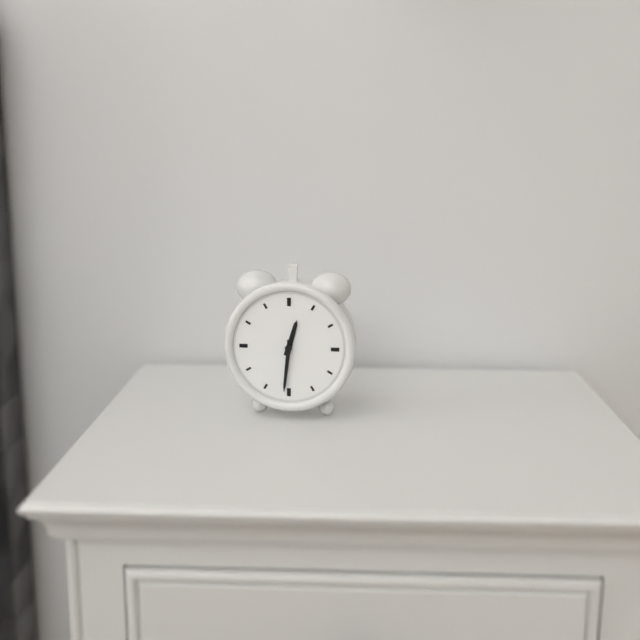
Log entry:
h=12 m=31
